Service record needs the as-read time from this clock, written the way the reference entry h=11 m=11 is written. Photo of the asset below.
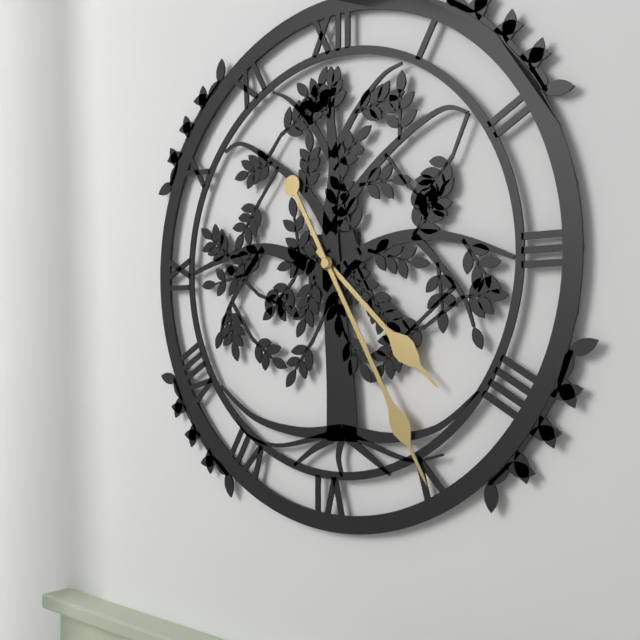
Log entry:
h=4 m=25
